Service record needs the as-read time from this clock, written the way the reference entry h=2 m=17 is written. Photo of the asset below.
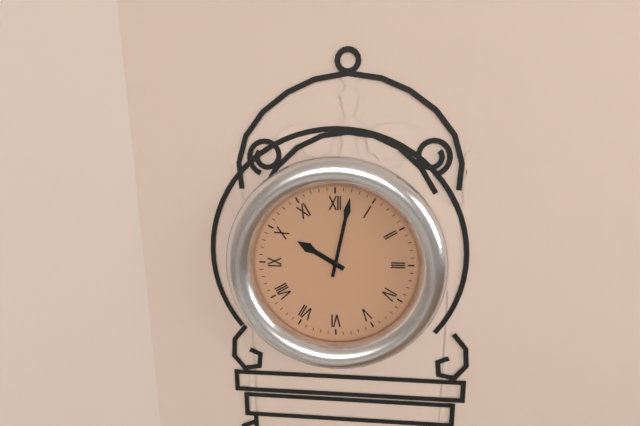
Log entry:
h=10 m=2
